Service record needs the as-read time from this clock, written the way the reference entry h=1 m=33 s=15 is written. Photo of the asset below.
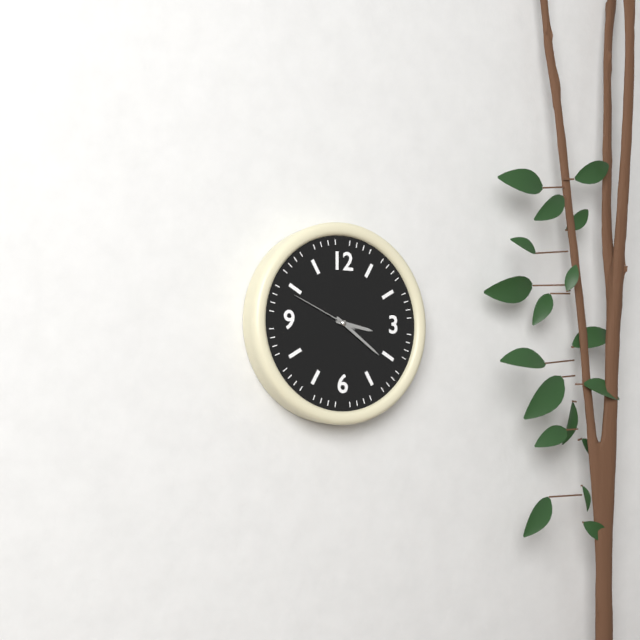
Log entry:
h=3 m=21 s=49
